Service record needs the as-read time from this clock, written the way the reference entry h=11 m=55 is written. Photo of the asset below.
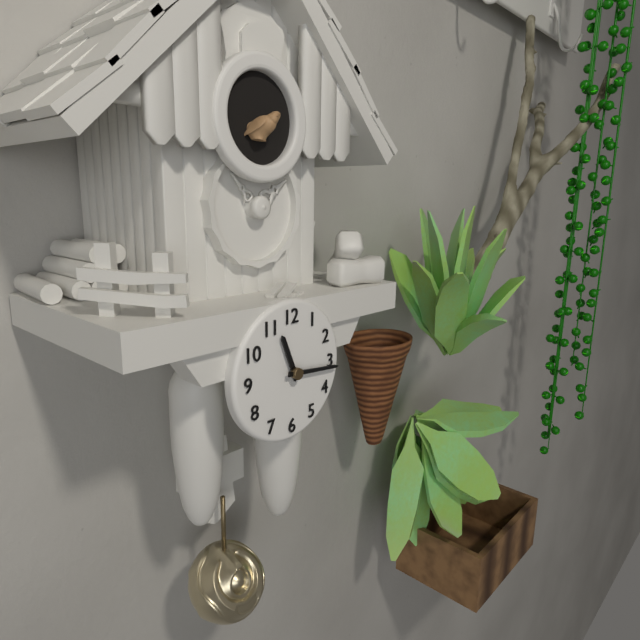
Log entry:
h=11 m=16
